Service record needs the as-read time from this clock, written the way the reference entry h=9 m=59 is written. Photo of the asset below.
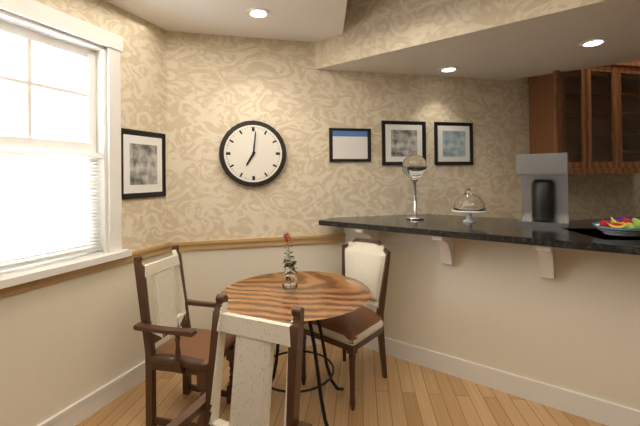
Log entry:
h=7 m=1
